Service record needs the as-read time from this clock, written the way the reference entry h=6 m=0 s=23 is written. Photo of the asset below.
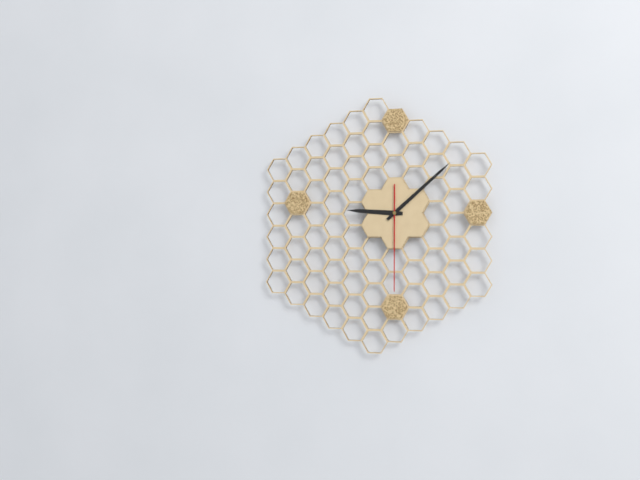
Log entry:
h=9 m=8 s=30
